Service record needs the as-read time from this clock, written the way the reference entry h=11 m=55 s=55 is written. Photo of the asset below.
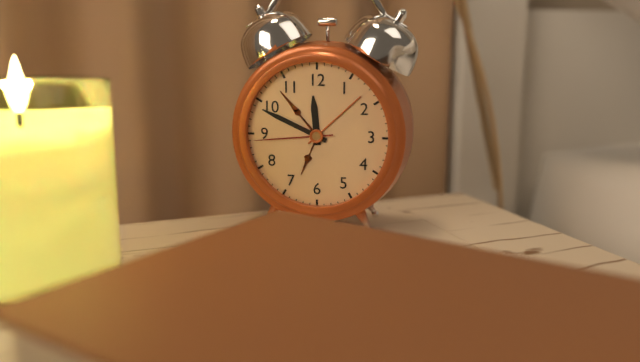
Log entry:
h=11 m=49 s=44
